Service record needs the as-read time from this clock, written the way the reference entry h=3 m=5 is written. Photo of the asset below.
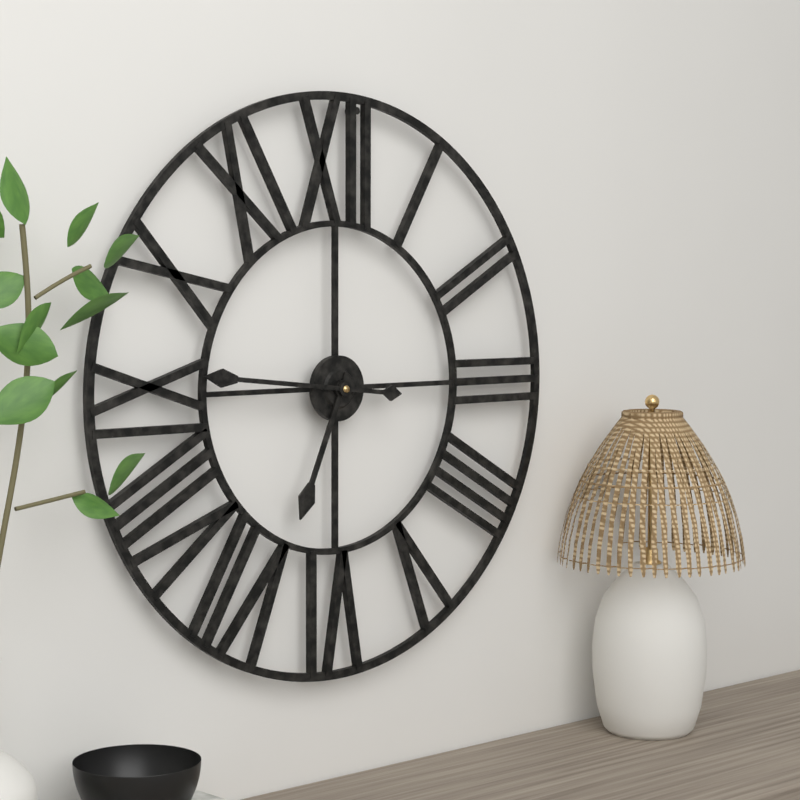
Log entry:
h=6 m=46
